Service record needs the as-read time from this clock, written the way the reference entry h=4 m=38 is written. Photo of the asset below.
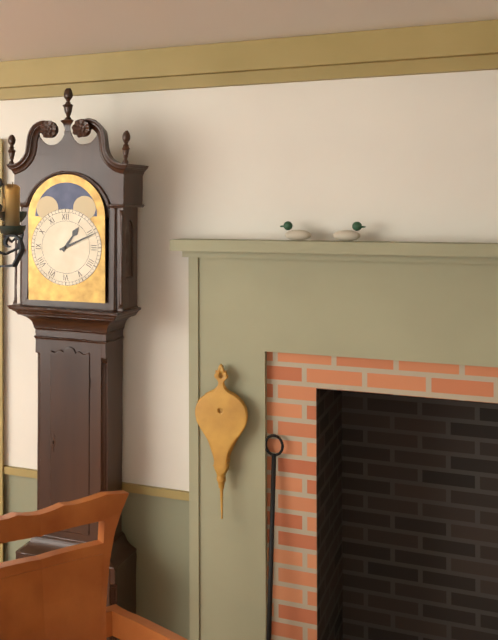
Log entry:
h=1 m=11
